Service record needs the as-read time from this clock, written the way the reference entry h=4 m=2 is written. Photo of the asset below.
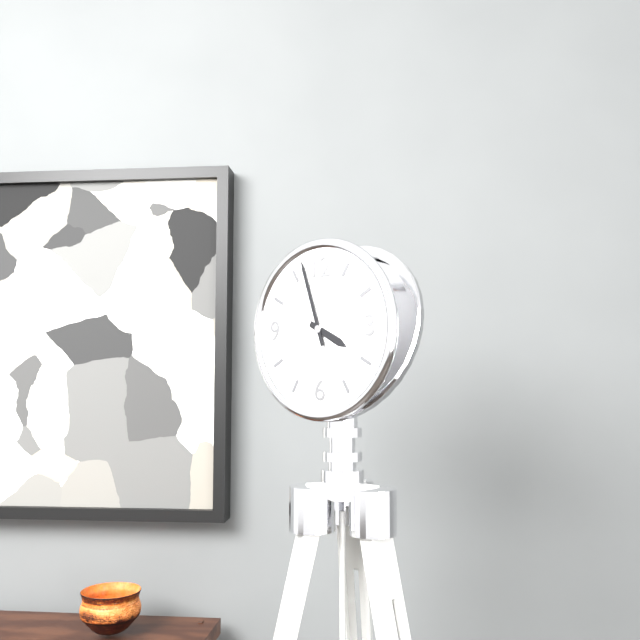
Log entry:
h=3 m=57
